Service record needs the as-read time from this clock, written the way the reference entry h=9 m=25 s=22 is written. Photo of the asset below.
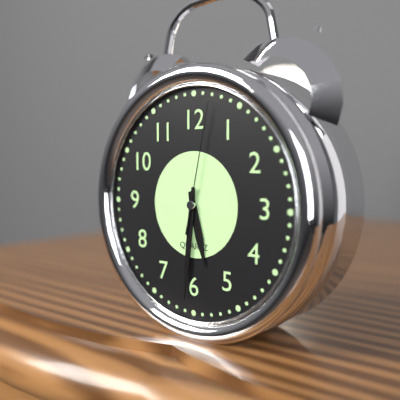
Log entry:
h=5 m=31 s=2
